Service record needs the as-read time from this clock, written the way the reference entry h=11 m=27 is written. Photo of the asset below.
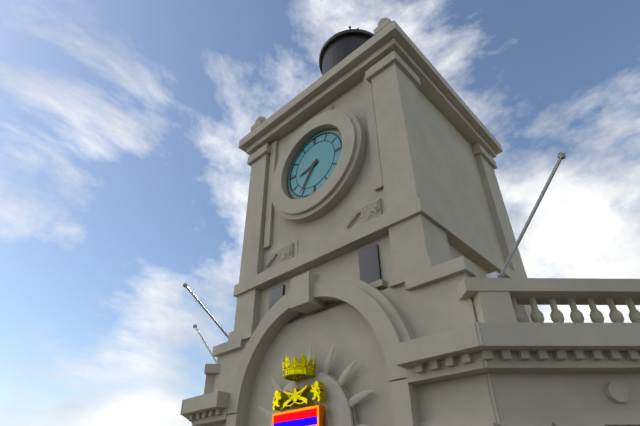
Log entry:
h=8 m=36
